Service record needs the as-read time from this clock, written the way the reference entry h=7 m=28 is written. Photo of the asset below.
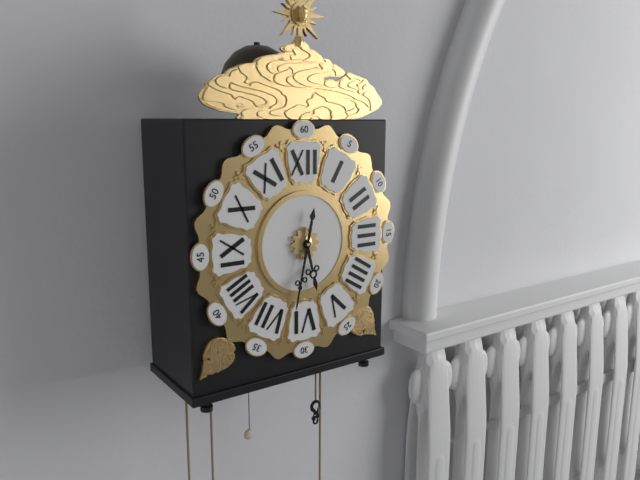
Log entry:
h=5 m=32
